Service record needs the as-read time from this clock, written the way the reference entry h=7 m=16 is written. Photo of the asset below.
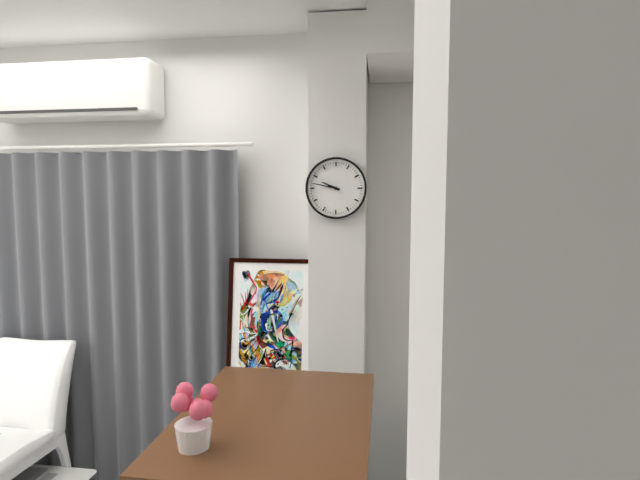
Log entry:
h=9 m=47
